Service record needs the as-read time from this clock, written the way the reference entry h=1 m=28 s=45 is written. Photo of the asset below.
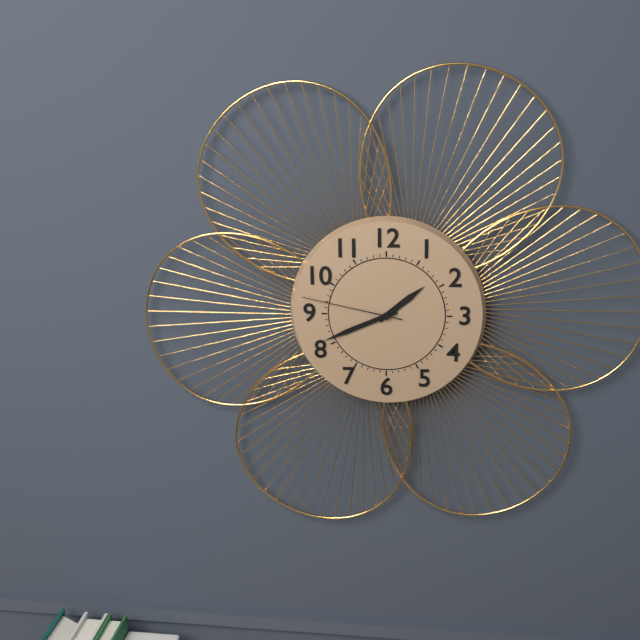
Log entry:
h=1 m=41 s=47
